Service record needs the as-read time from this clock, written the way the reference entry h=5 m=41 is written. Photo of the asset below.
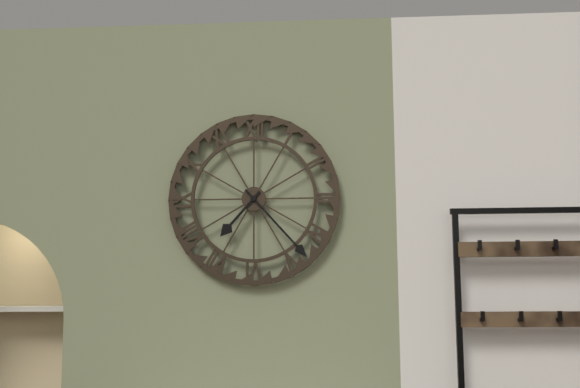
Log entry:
h=7 m=23
